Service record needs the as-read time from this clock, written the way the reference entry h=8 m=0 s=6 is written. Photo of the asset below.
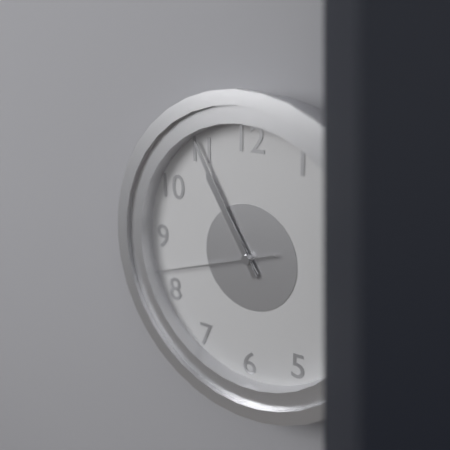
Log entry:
h=10 m=55 s=42
